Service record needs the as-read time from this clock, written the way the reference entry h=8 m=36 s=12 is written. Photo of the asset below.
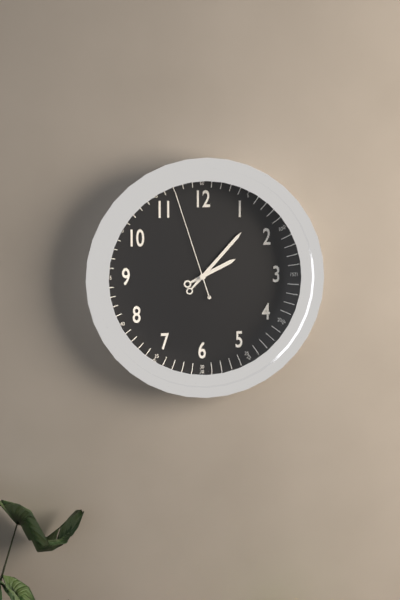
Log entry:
h=2 m=7 s=57
